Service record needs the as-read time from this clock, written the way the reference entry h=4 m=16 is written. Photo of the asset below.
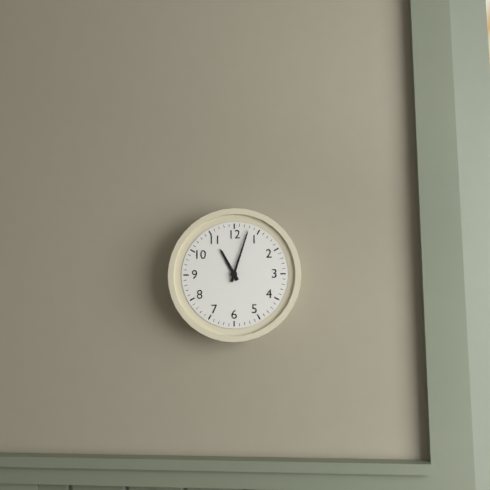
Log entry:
h=11 m=3
